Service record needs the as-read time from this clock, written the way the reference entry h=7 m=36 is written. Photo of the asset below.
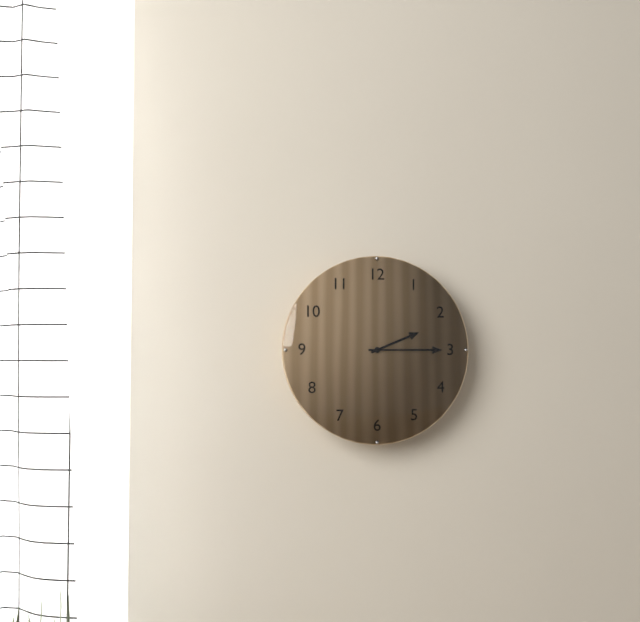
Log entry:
h=2 m=15
